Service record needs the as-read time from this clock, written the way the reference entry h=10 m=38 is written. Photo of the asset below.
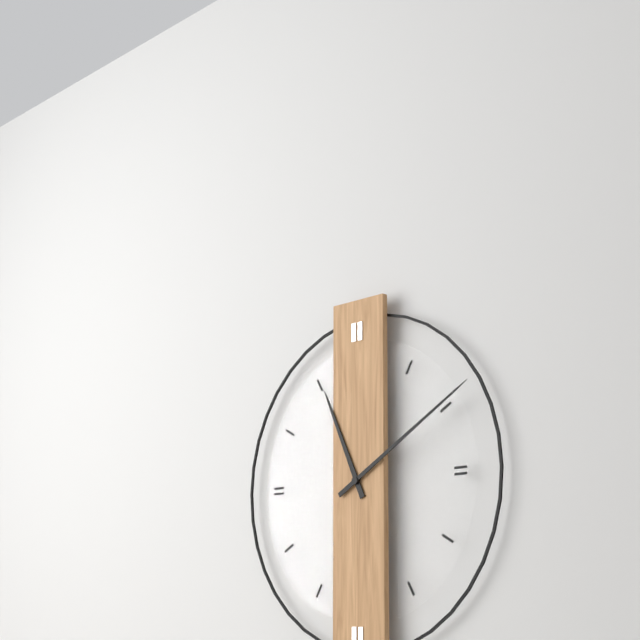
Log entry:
h=11 m=10
